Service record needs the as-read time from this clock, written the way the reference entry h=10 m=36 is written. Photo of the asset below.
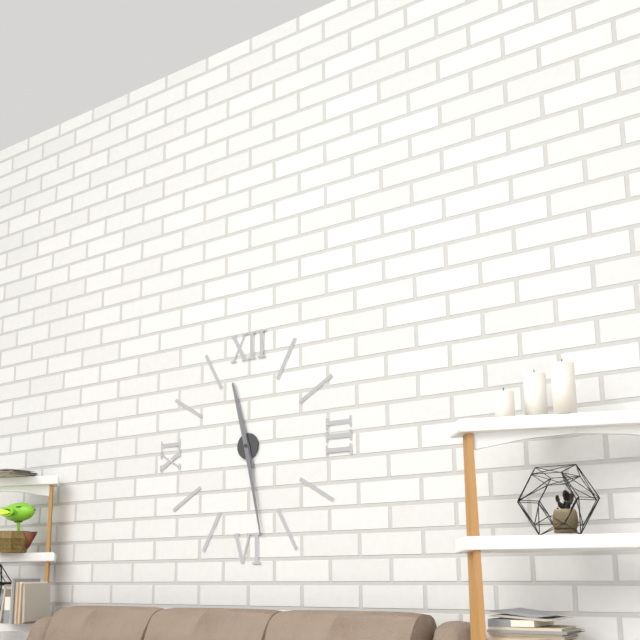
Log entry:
h=11 m=28
